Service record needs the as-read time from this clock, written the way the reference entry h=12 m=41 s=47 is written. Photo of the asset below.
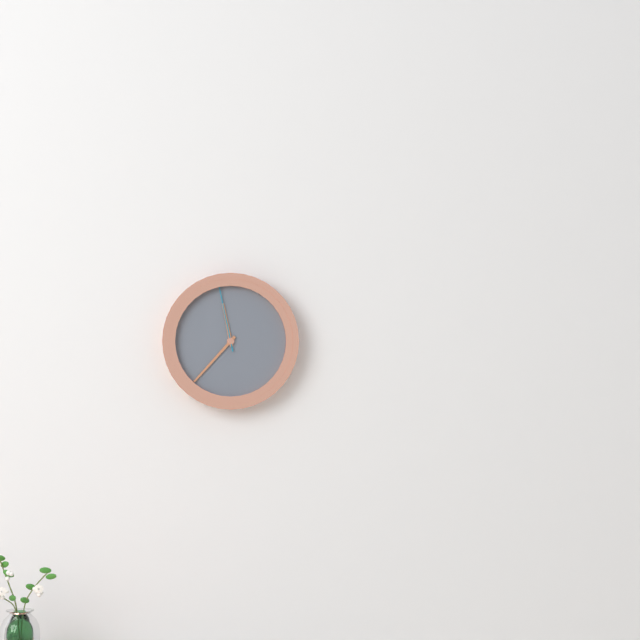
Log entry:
h=11 m=37 s=58
